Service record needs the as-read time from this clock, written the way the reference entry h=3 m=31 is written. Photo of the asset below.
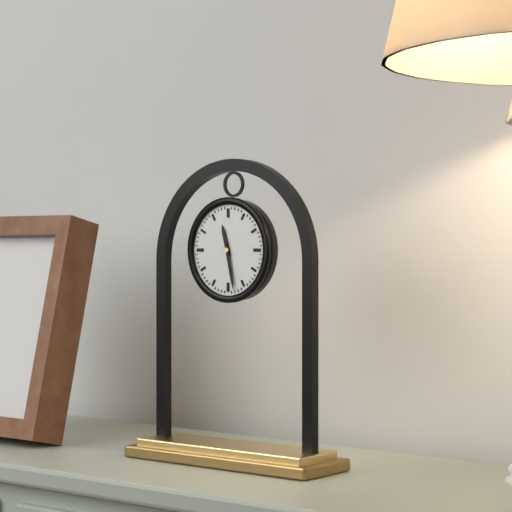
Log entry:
h=11 m=28
